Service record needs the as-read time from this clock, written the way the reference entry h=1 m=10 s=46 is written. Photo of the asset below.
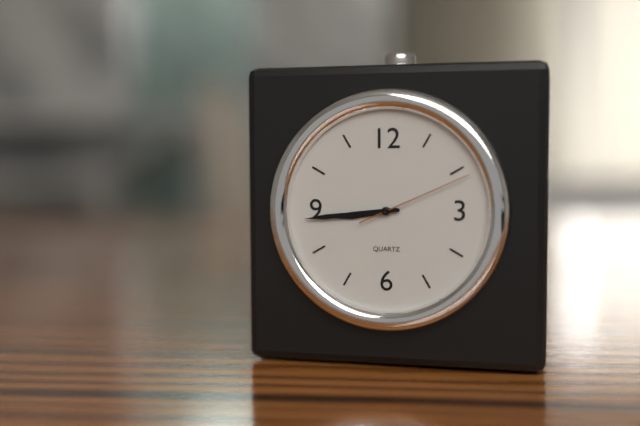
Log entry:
h=8 m=44 s=11
